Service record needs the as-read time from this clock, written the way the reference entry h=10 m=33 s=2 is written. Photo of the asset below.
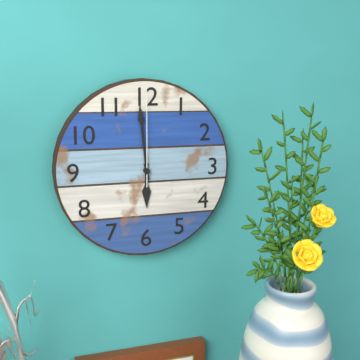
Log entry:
h=5 m=59 s=0
